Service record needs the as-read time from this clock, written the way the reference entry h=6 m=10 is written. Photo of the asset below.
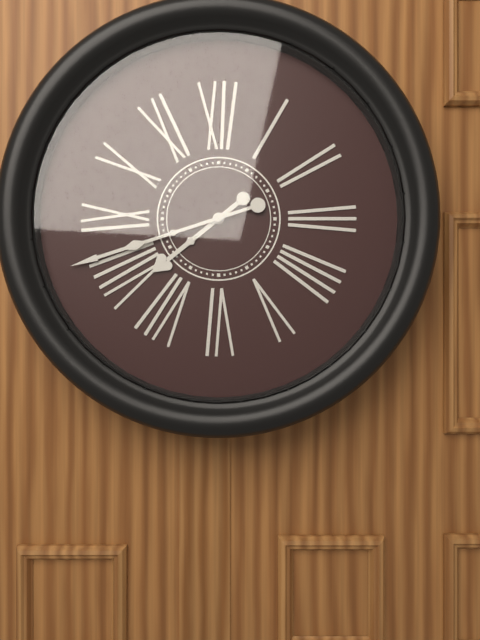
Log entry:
h=7 m=42
